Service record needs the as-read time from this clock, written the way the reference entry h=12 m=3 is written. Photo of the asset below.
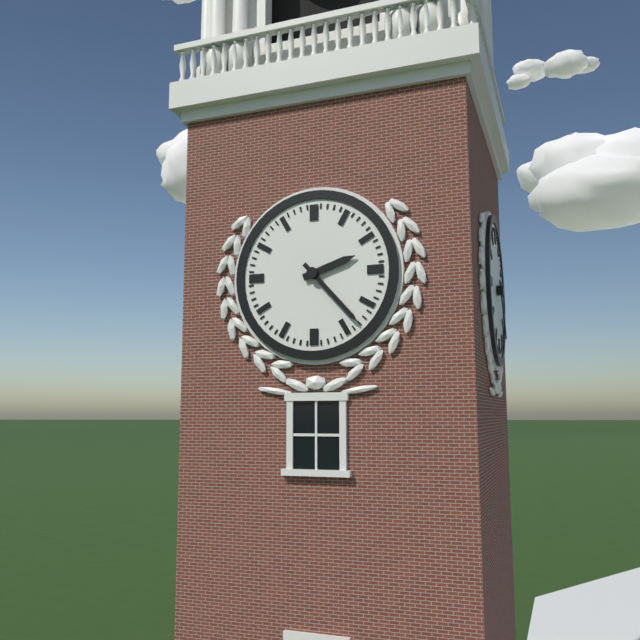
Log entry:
h=2 m=23
